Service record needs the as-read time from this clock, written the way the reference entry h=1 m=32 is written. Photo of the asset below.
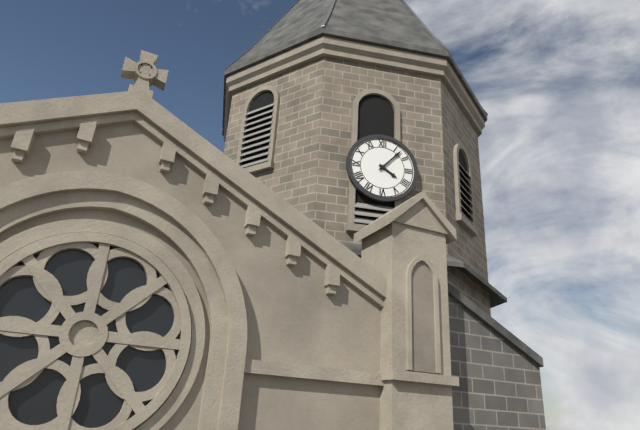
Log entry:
h=4 m=7
